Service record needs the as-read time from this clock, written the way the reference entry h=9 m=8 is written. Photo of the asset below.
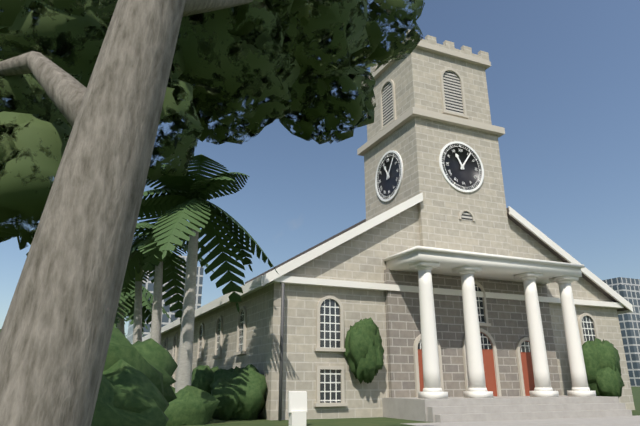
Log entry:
h=11 m=6
